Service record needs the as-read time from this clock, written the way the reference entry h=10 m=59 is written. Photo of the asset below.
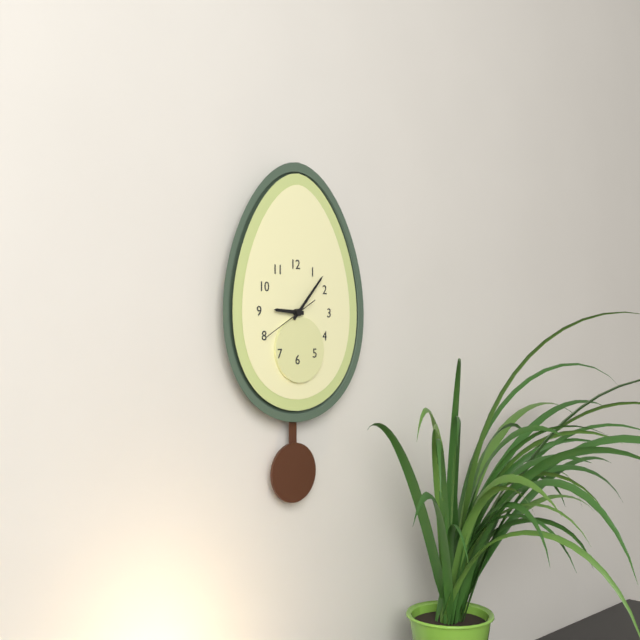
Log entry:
h=9 m=7
